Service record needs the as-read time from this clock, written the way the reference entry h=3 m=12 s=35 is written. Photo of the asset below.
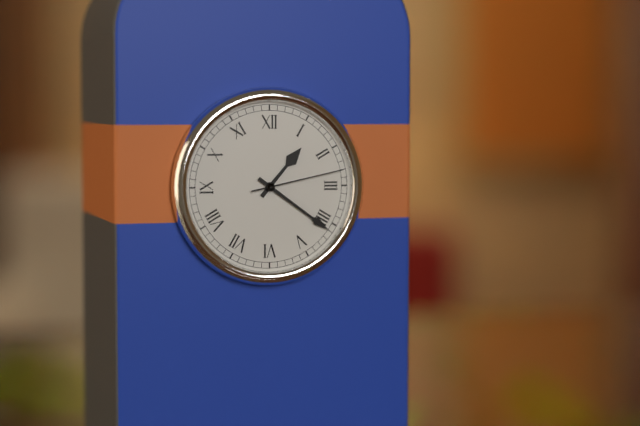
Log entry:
h=1 m=21 s=13
